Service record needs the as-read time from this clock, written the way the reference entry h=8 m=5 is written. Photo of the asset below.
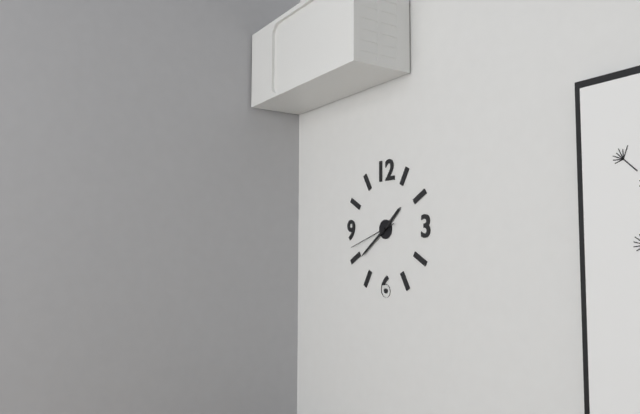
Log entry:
h=1 m=39
